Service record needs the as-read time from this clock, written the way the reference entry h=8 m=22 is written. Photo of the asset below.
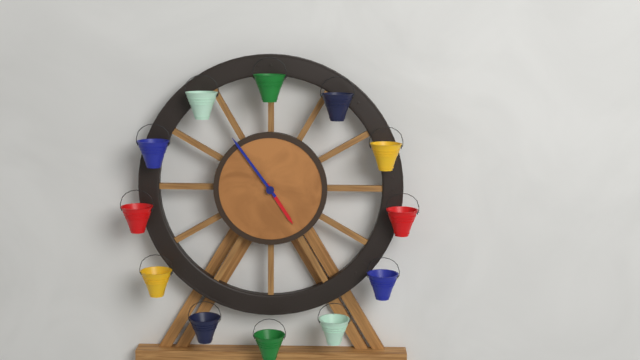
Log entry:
h=4 m=54
